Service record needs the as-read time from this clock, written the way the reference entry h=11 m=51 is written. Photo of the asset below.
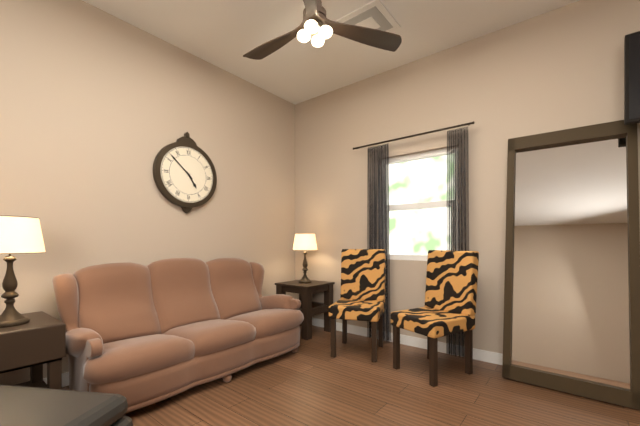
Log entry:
h=4 m=52
